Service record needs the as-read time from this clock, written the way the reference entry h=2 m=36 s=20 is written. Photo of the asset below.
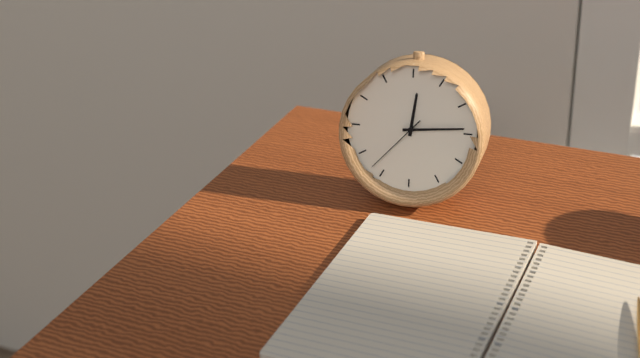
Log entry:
h=12 m=14 s=37
